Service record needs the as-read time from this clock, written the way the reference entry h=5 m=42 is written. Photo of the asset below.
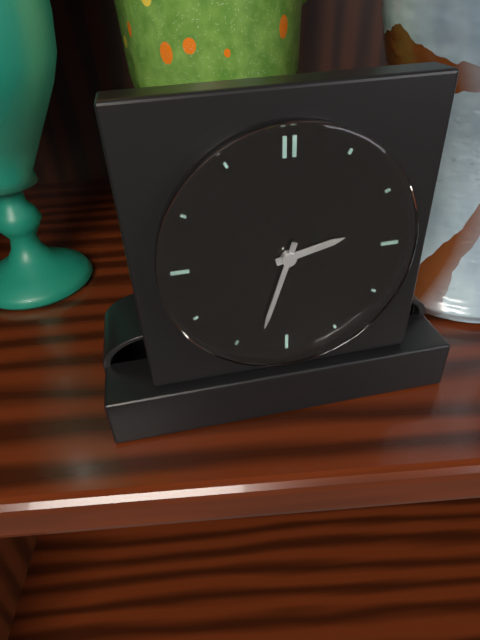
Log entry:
h=2 m=33
